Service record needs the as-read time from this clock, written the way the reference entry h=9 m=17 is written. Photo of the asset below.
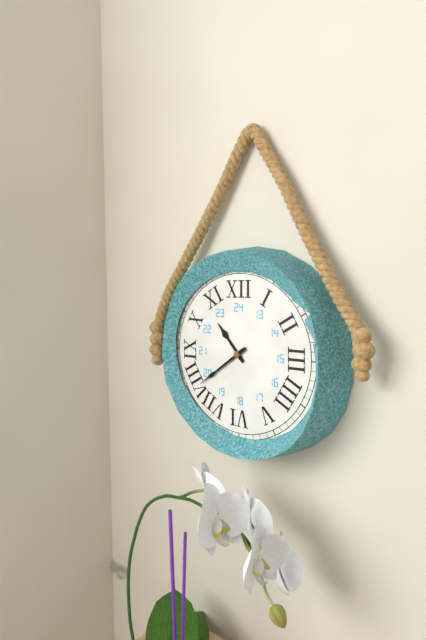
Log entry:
h=10 m=39
